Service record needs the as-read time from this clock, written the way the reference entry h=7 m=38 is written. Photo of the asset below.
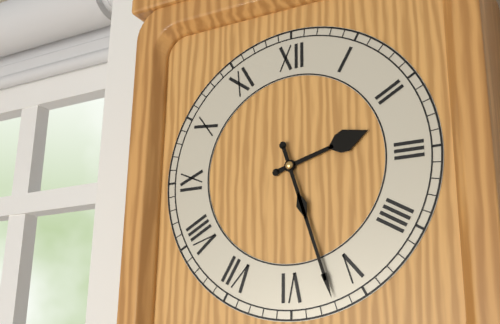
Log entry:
h=2 m=27
